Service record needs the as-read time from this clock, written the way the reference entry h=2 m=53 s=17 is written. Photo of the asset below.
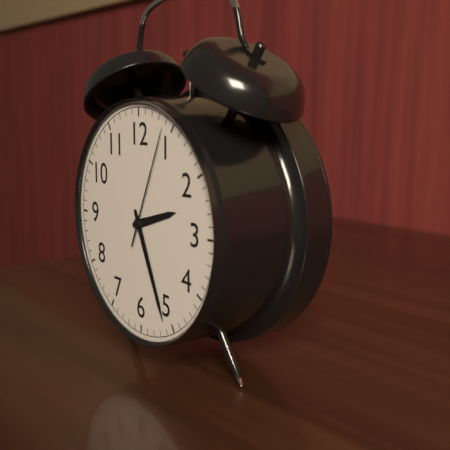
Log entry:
h=2 m=26 s=4
